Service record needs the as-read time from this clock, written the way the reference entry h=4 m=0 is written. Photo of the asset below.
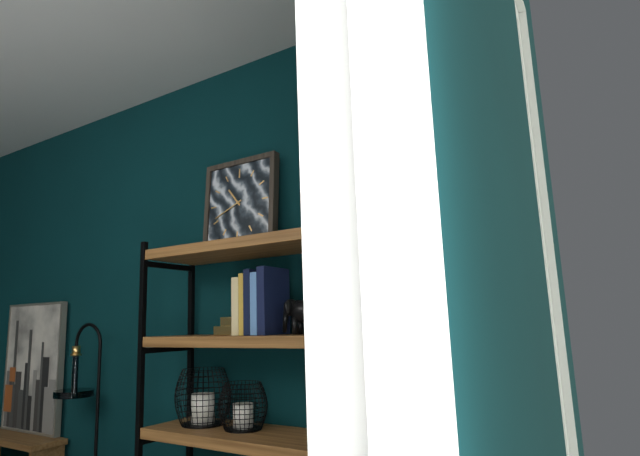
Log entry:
h=10 m=41
